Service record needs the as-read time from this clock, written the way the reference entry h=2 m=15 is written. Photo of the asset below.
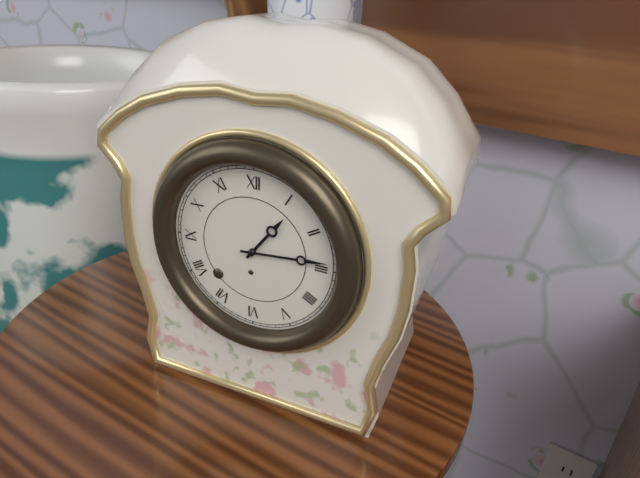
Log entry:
h=1 m=14
